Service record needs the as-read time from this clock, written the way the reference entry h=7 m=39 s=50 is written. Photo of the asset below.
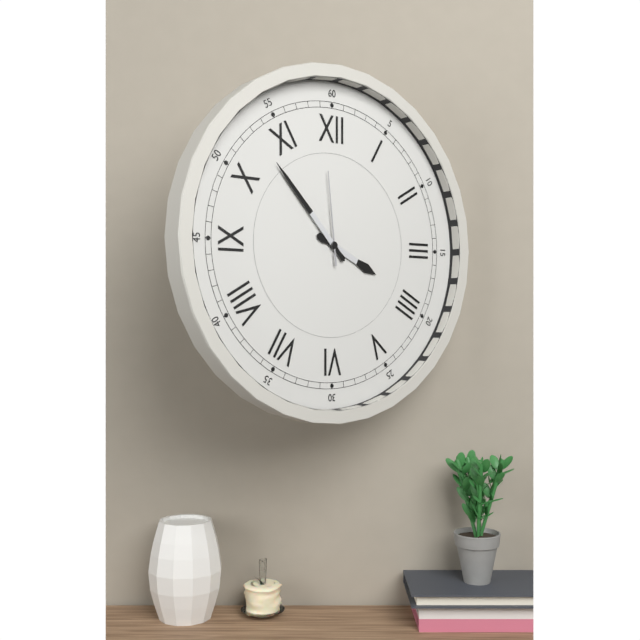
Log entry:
h=3 m=53 s=59
